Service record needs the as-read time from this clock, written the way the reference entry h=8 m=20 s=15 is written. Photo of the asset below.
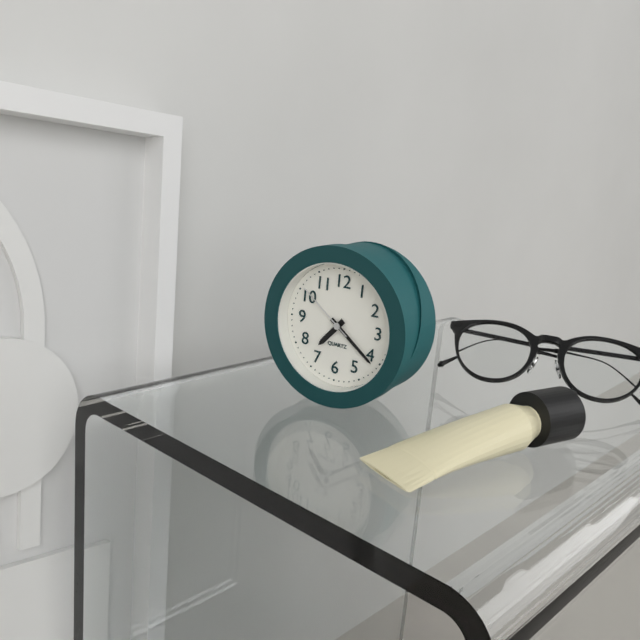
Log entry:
h=7 m=21 s=51
